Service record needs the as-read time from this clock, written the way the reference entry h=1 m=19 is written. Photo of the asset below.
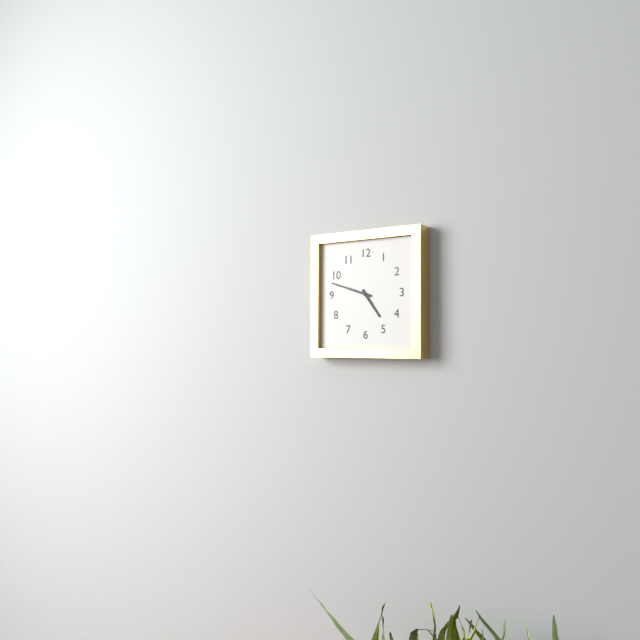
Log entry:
h=4 m=48
